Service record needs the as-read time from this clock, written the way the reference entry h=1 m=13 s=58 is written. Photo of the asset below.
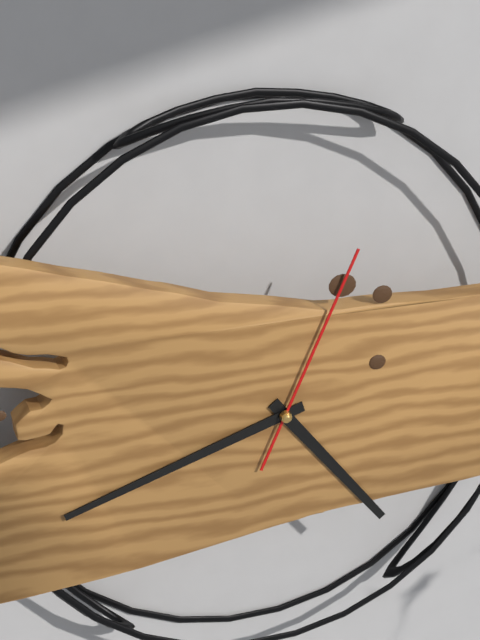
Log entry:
h=4 m=42 s=4
